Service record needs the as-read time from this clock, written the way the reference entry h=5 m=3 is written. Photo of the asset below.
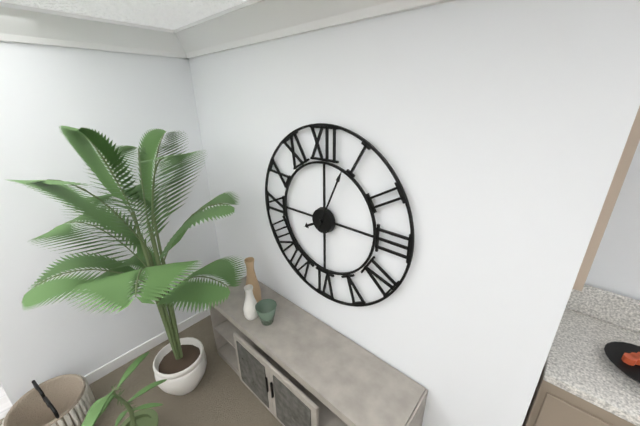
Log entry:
h=8 m=4
